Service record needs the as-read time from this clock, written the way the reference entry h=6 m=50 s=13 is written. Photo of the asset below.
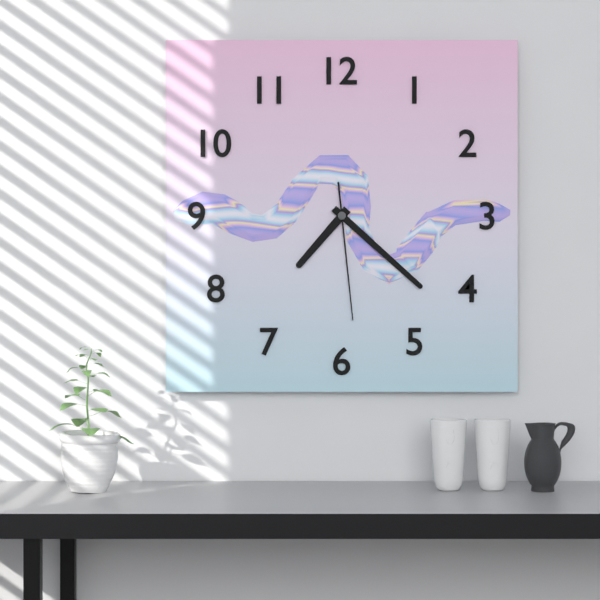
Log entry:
h=7 m=22 s=29
